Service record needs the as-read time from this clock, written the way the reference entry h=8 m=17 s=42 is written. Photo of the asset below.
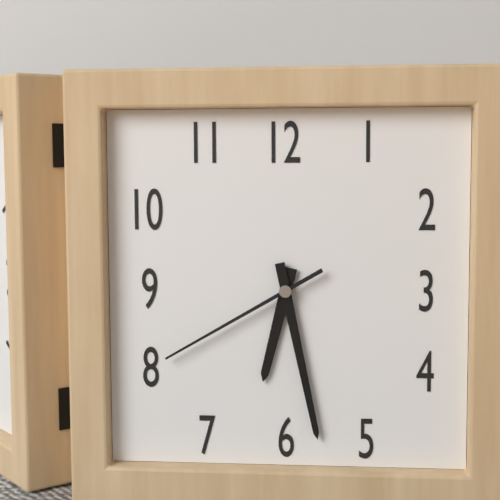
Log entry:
h=6 m=28 s=40
